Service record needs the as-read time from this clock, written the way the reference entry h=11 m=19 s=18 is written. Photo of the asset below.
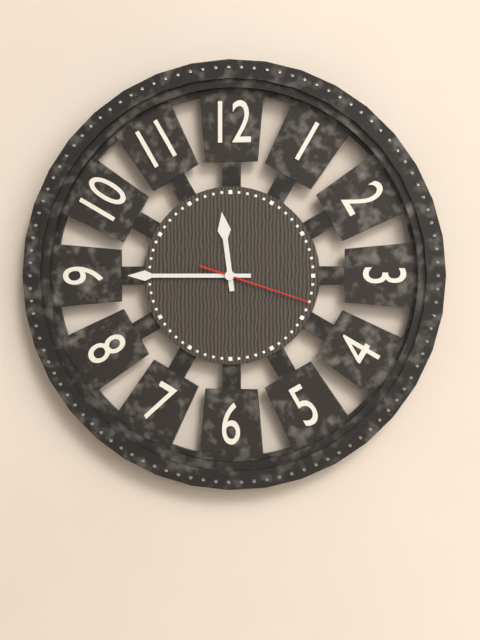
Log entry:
h=11 m=45 s=18
